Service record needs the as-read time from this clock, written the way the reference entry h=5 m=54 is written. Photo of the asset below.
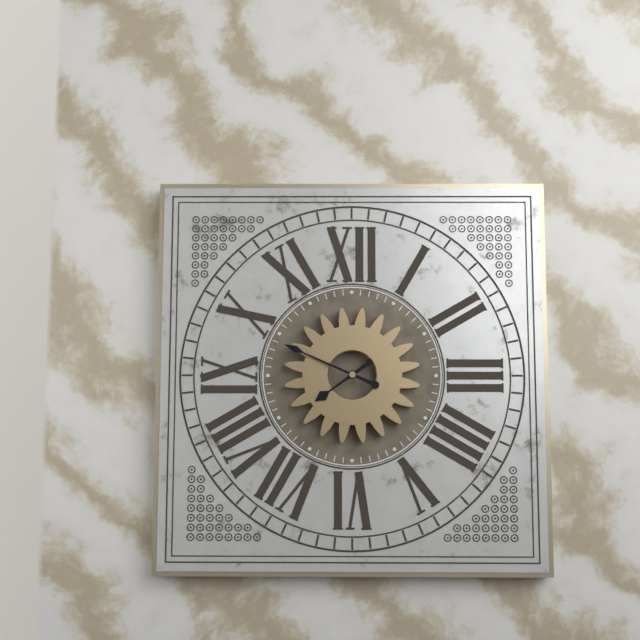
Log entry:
h=7 m=49
